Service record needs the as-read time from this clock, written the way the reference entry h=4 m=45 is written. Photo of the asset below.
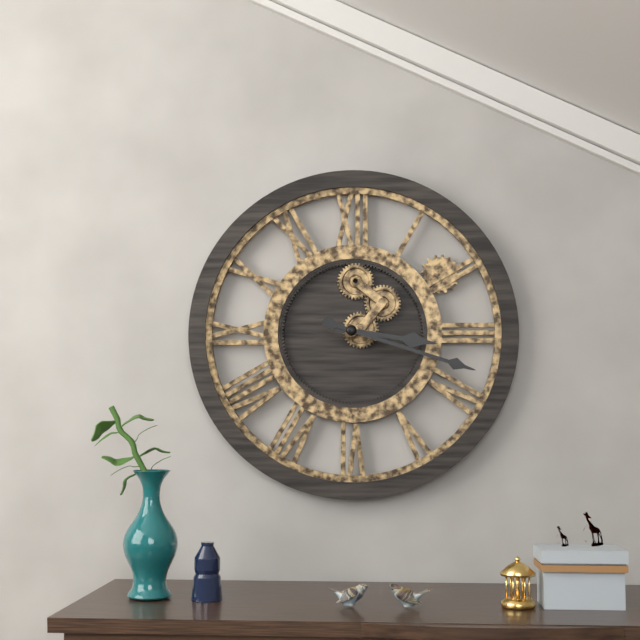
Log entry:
h=3 m=18
